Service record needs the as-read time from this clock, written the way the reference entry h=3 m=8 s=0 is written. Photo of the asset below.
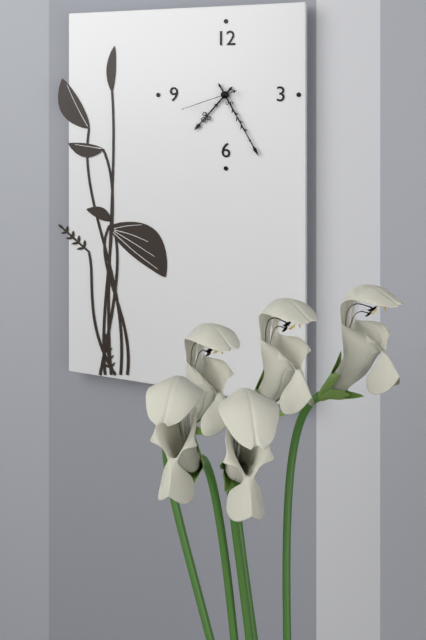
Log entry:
h=7 m=25 s=42
